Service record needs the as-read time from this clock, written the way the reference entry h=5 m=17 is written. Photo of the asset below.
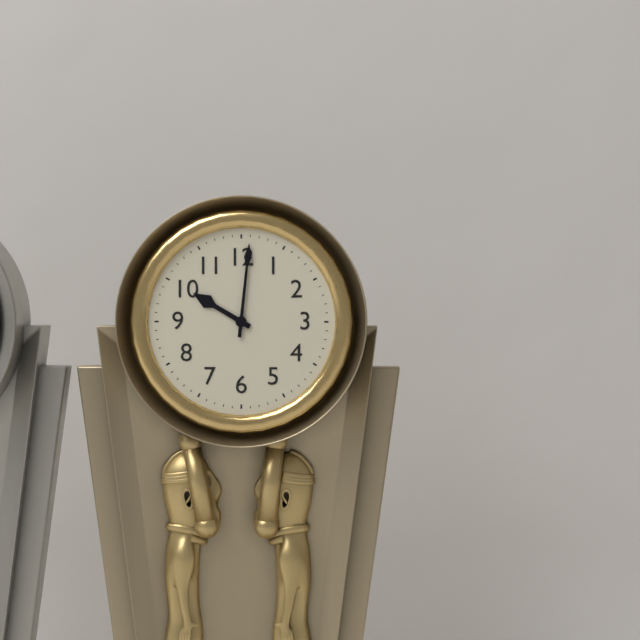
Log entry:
h=10 m=1
